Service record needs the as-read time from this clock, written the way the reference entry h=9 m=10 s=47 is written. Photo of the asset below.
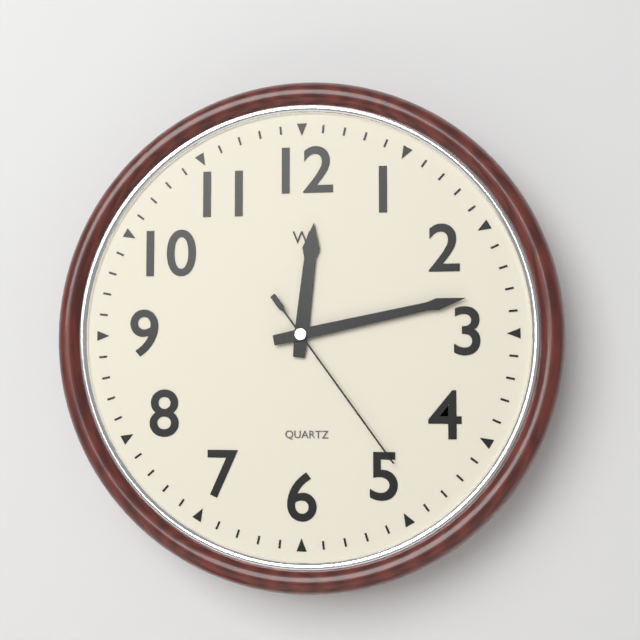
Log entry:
h=12 m=13 s=24
